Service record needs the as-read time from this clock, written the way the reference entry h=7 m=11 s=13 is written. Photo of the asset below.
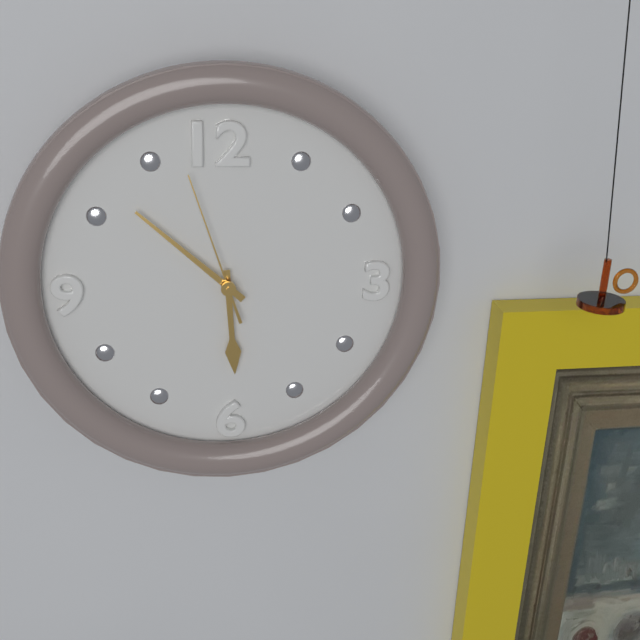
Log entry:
h=5 m=52 s=57
